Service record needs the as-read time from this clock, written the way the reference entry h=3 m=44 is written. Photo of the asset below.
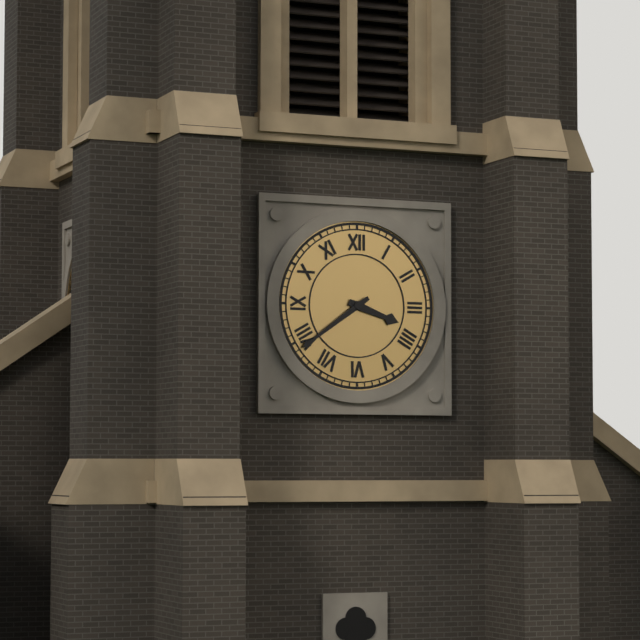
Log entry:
h=3 m=39
